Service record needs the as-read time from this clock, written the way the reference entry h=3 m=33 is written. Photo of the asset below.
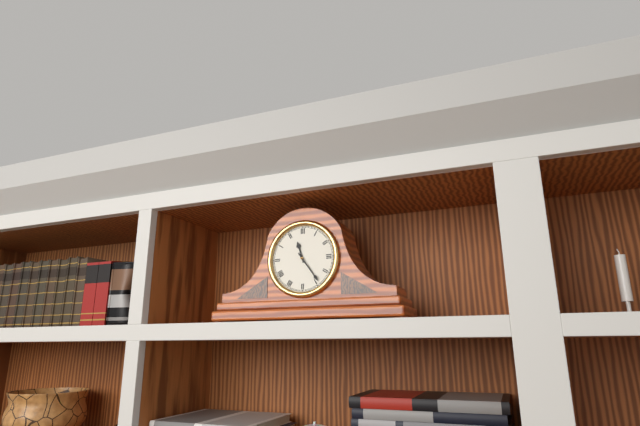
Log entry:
h=11 m=24
